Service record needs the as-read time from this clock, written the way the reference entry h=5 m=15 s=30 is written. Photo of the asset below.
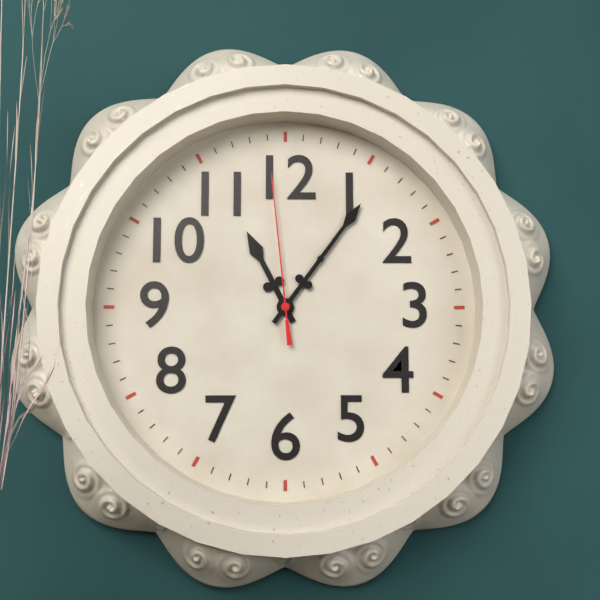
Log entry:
h=11 m=6 s=59
